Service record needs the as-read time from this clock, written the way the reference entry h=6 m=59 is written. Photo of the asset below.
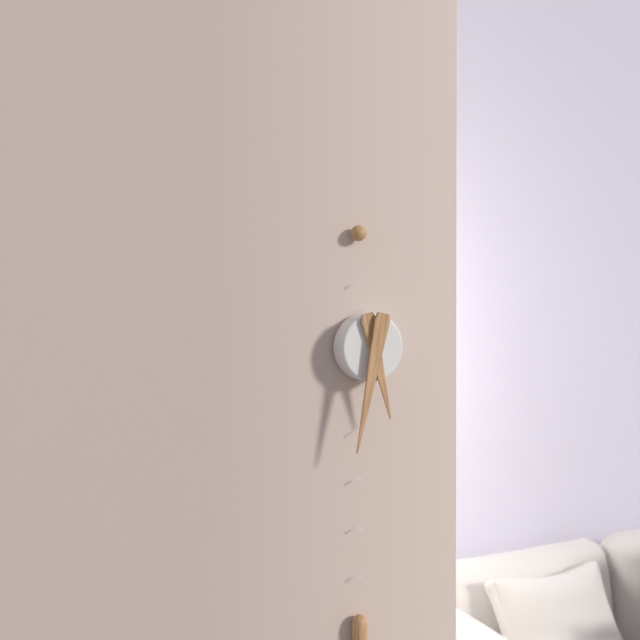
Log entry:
h=5 m=32
